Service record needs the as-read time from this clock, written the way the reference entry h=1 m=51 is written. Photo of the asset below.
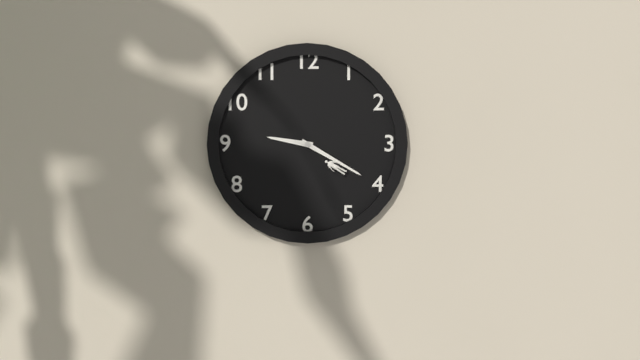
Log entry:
h=9 m=20
